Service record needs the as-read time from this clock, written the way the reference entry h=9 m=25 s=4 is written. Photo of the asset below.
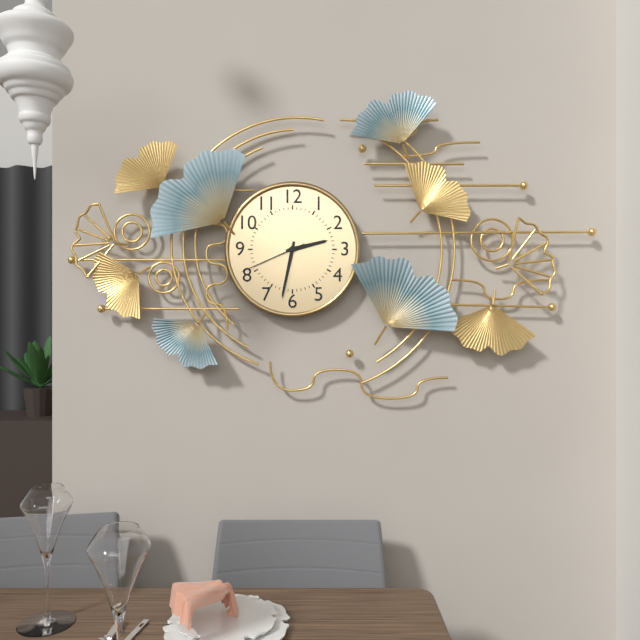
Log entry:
h=2 m=32 s=41
